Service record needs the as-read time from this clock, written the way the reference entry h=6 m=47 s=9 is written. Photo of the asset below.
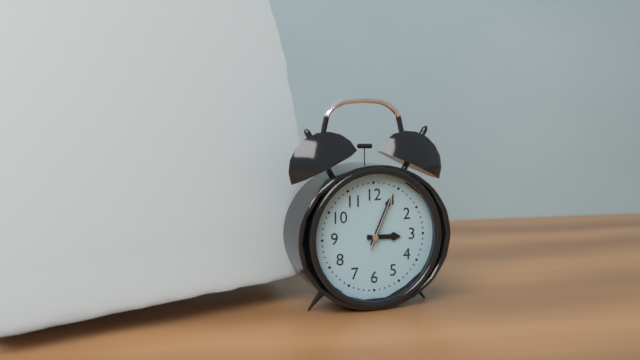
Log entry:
h=3 m=4 s=4
